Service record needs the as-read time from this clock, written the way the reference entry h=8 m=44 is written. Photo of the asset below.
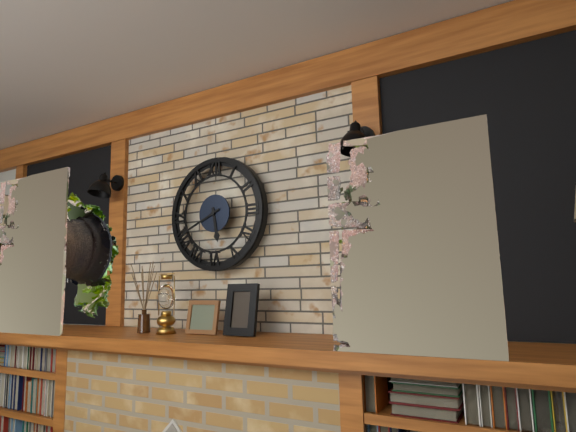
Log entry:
h=5 m=41
